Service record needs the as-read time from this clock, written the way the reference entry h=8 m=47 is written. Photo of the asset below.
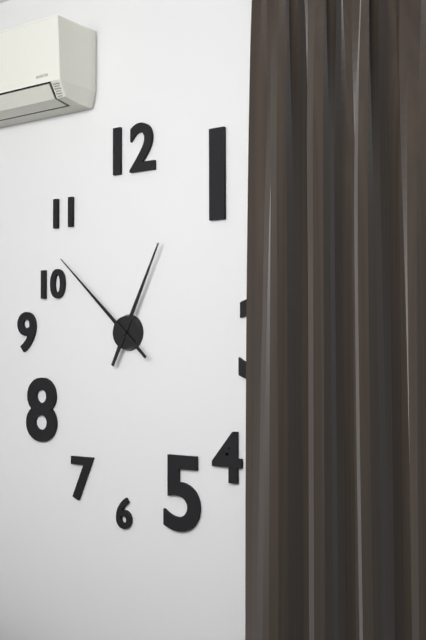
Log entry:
h=12 m=52
